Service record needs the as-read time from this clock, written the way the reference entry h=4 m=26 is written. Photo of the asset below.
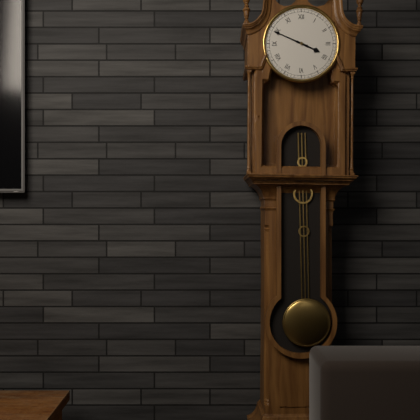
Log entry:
h=3 m=49
